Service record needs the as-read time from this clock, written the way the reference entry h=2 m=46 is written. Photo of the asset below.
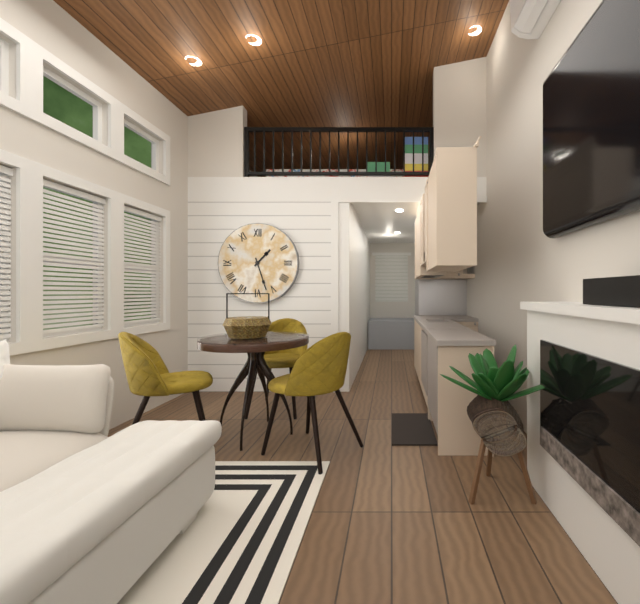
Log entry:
h=1 m=27
